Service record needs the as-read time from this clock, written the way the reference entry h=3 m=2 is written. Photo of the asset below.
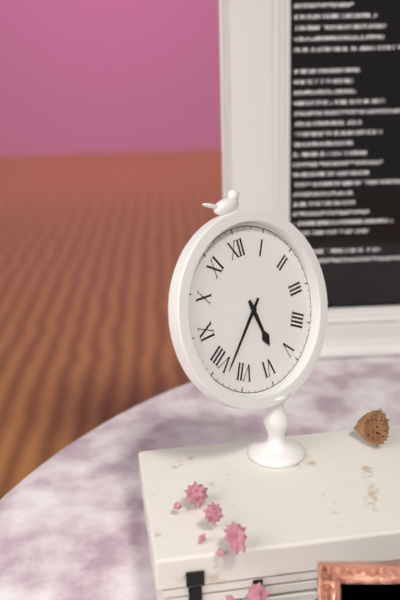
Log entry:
h=5 m=38
